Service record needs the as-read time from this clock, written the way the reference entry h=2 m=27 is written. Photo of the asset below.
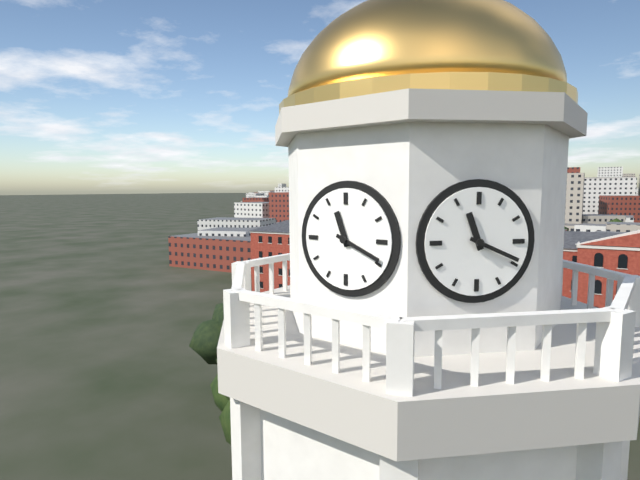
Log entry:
h=11 m=19
